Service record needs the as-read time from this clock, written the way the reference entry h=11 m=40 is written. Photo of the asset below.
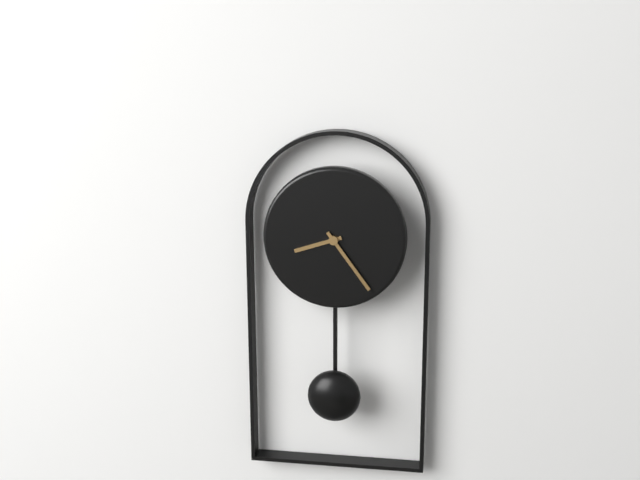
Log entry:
h=8 m=24
